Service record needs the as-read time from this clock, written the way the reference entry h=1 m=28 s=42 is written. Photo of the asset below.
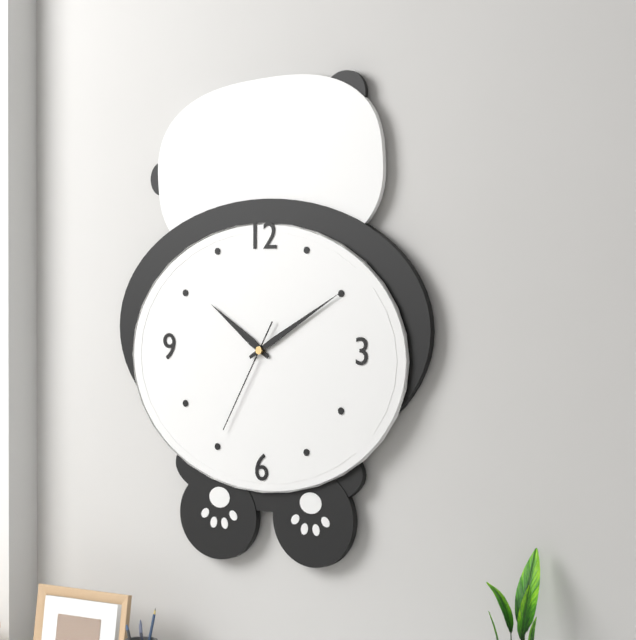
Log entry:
h=10 m=10 s=35
